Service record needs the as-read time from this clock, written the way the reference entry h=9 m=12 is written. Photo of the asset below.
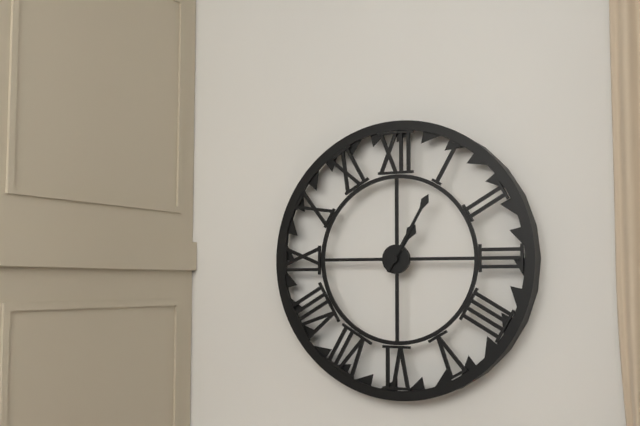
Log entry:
h=1 m=5
